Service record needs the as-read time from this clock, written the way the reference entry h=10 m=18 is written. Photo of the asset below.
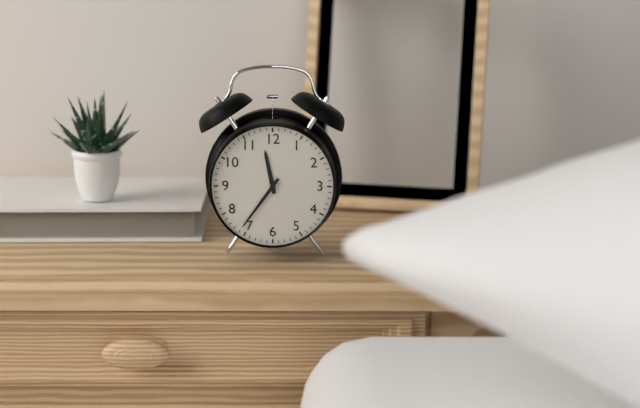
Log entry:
h=11 m=36
